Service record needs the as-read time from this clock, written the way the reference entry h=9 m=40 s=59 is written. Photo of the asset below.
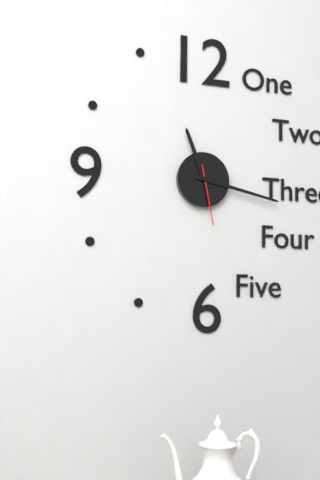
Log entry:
h=11 m=17 s=28
